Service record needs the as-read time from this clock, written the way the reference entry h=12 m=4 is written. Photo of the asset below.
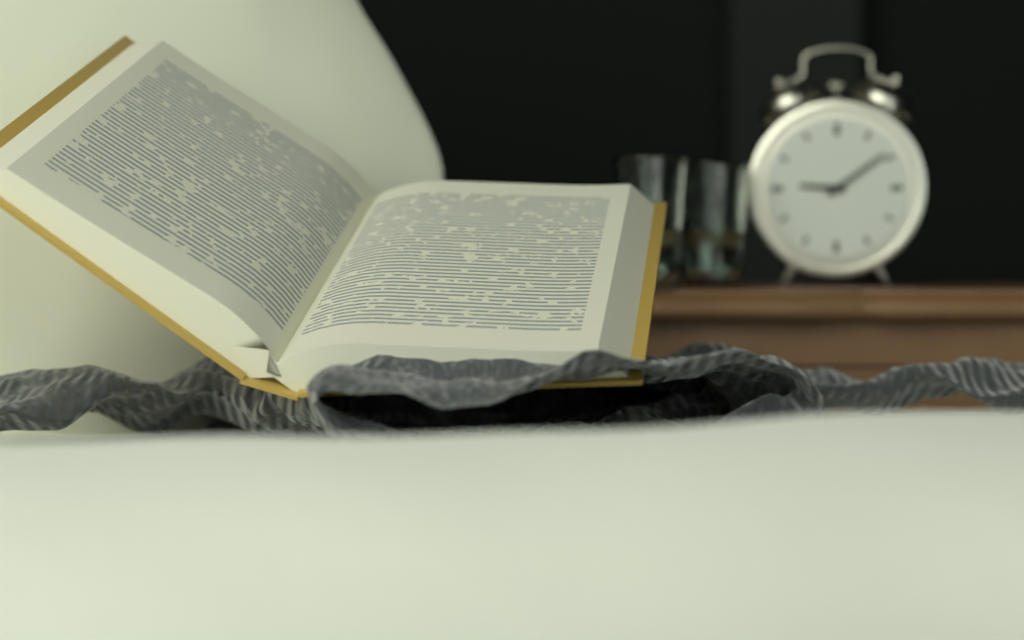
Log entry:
h=9 m=9
